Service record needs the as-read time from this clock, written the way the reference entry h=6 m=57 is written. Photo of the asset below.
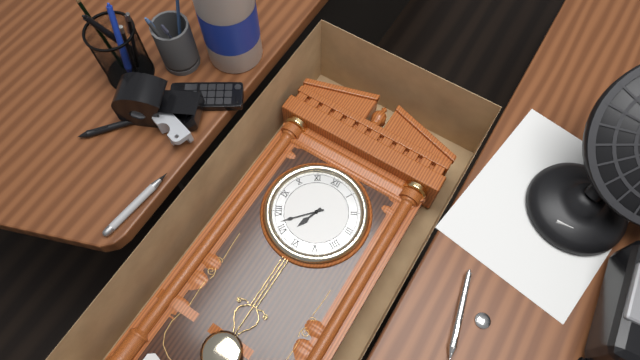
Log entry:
h=6 m=37
